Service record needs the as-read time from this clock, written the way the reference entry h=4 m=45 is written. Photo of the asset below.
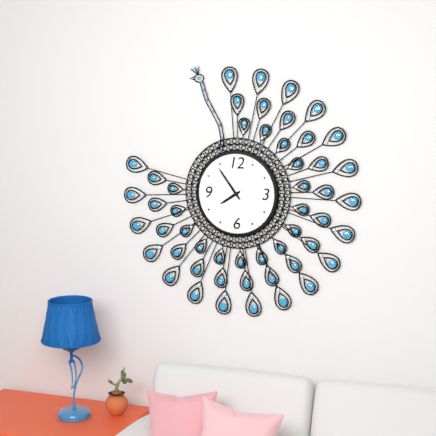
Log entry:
h=7 m=54
